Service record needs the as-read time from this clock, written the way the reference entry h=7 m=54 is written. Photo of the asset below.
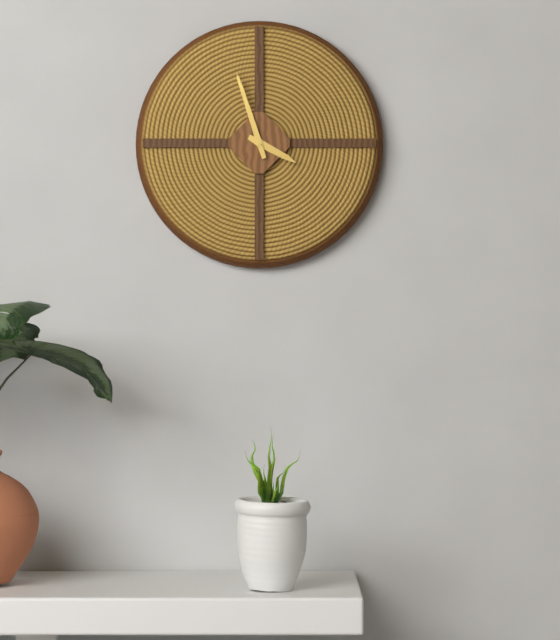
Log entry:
h=3 m=57
